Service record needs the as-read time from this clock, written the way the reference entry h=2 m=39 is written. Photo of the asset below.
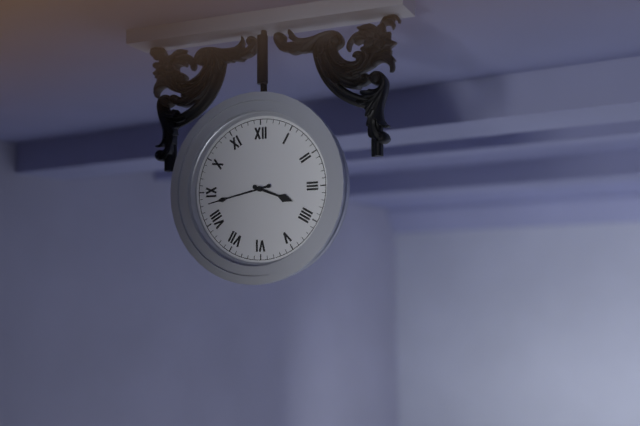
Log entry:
h=3 m=43
